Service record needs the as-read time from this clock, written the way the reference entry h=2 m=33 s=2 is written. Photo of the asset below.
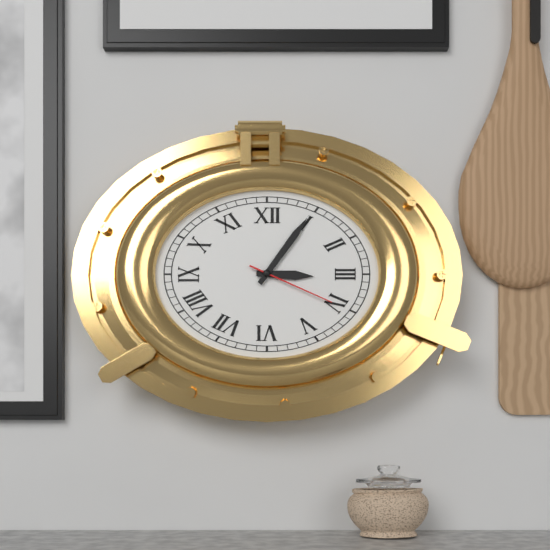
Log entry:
h=3 m=6 s=19
